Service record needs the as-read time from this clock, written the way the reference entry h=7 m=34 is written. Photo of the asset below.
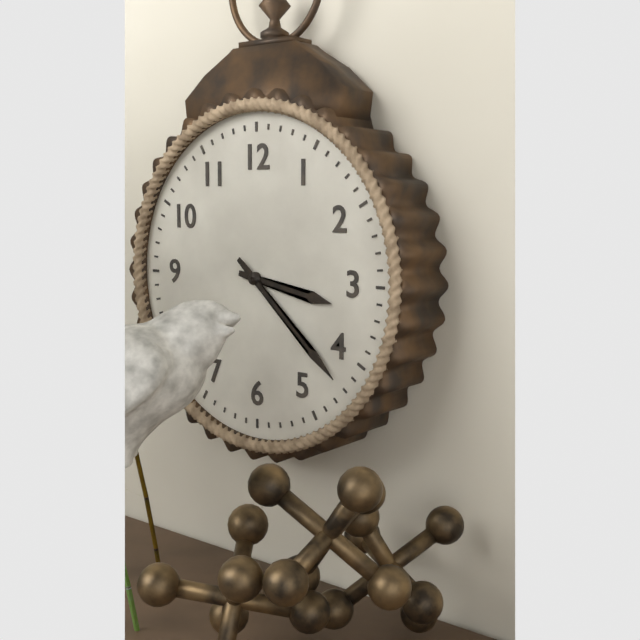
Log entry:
h=3 m=22
